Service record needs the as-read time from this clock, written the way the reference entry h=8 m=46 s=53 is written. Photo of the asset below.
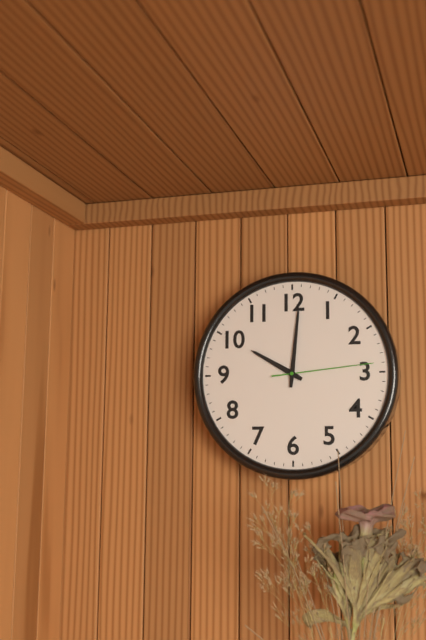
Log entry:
h=10 m=1 s=14
